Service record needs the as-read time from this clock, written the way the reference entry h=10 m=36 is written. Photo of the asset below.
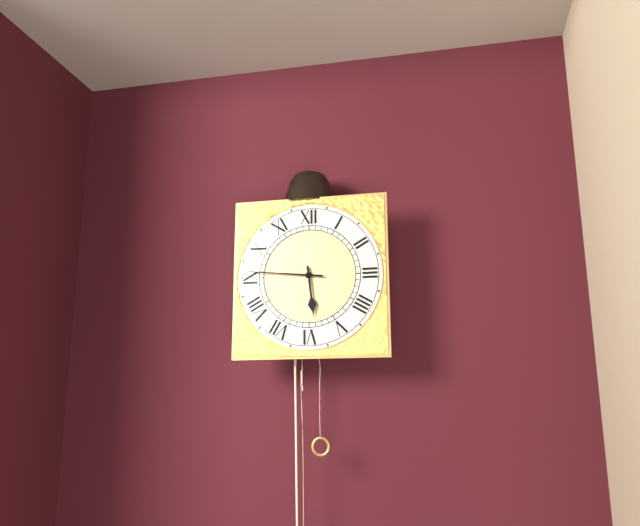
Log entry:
h=5 m=46
